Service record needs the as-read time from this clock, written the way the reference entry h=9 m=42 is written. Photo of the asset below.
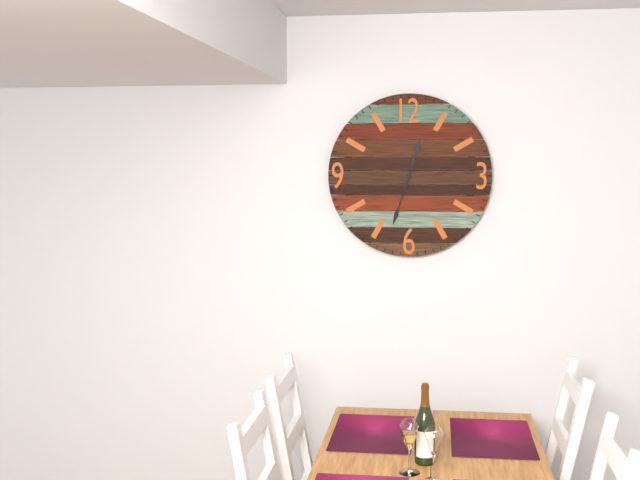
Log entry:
h=12 m=33
